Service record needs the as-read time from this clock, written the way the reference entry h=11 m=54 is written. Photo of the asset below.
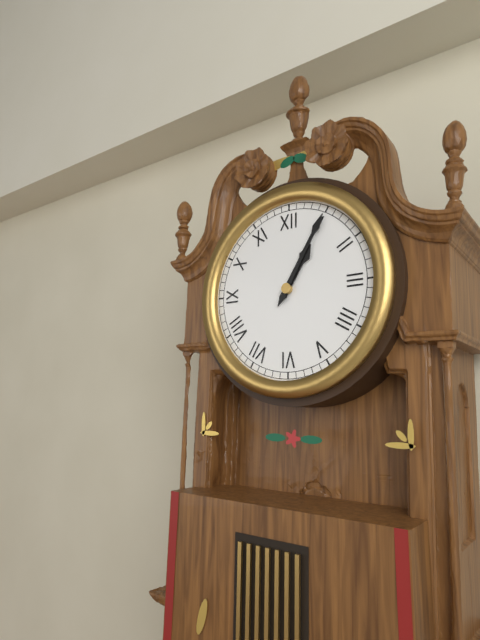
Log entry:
h=1 m=5
